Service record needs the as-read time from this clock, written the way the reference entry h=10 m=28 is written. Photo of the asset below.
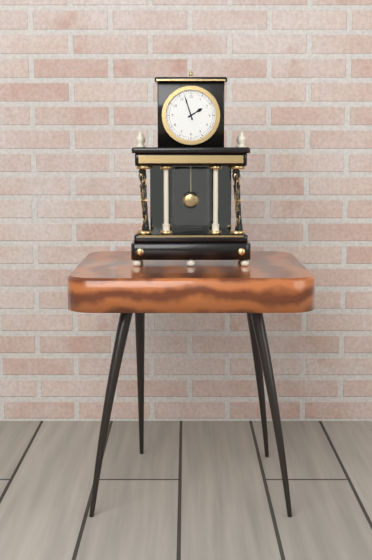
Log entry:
h=1 m=57
